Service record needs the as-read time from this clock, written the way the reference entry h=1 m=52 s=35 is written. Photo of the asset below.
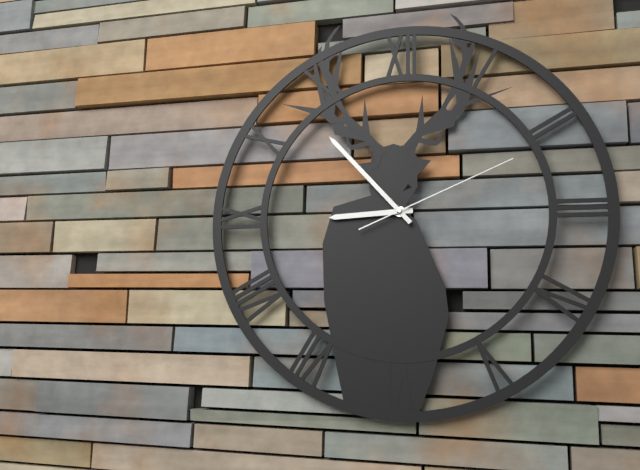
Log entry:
h=8 m=53 s=11
